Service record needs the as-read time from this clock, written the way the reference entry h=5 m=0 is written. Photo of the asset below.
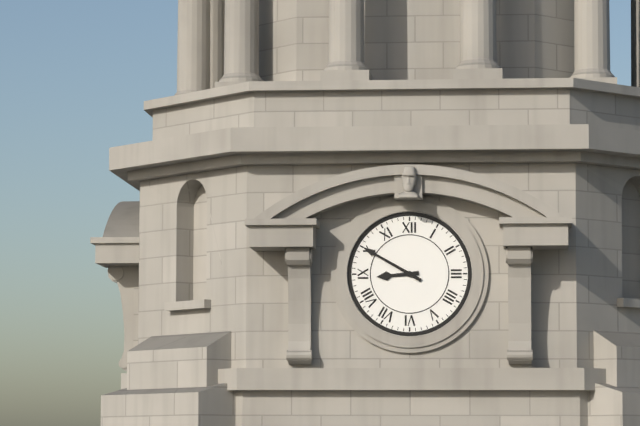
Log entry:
h=8 m=50
